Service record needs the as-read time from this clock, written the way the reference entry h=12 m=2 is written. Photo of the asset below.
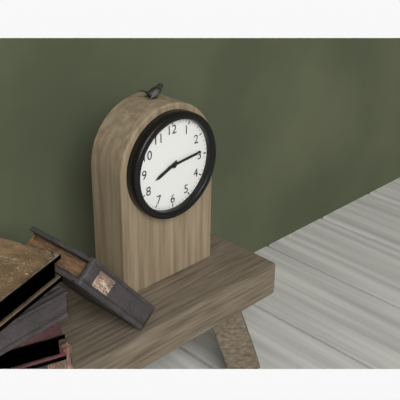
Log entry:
h=8 m=14
